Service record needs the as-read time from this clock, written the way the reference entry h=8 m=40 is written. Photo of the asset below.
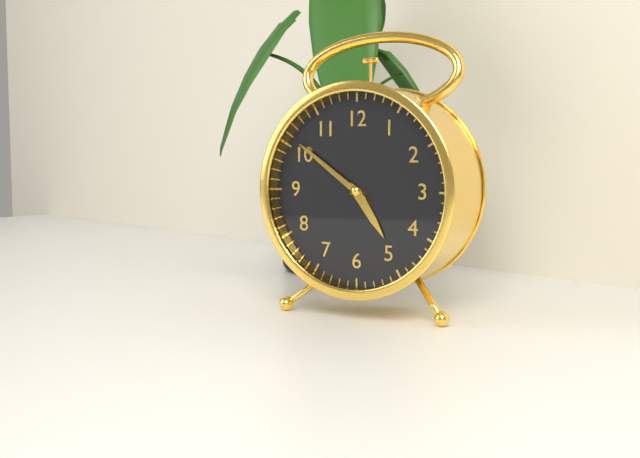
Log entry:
h=4 m=51
